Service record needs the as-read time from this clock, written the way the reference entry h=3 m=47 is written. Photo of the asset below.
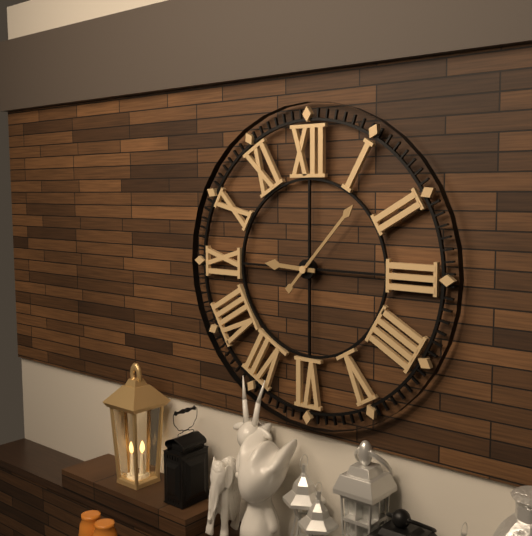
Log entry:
h=9 m=7
